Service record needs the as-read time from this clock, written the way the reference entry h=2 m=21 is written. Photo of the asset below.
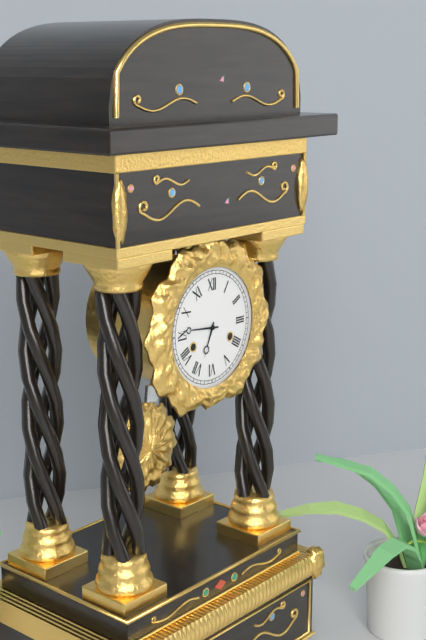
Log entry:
h=6 m=46
